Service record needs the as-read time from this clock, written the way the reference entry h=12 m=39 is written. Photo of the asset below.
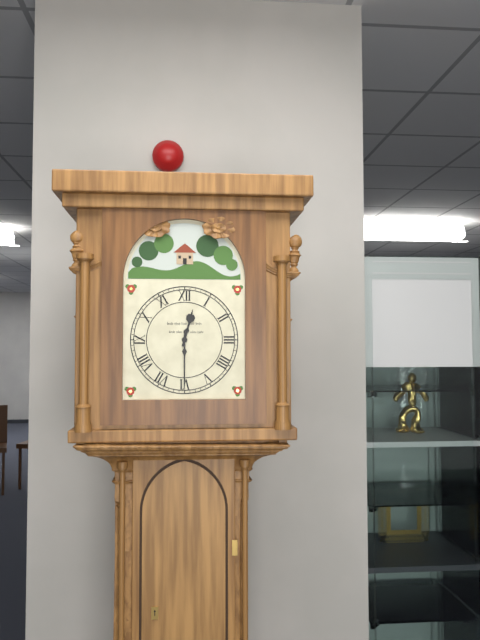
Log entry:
h=12 m=30
